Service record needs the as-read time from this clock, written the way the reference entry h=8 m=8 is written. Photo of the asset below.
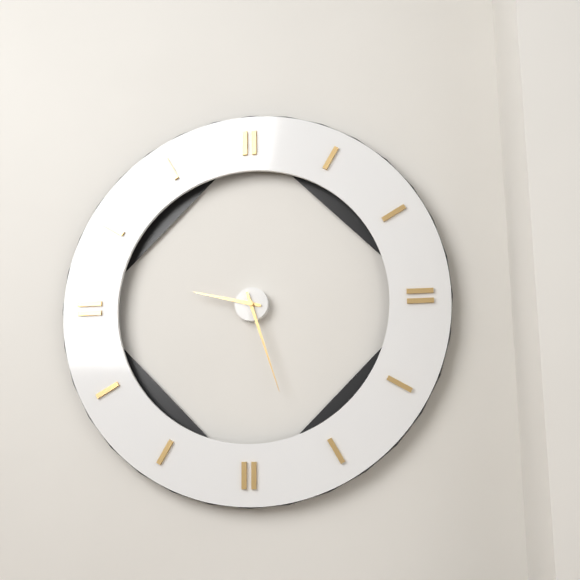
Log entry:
h=9 m=27
